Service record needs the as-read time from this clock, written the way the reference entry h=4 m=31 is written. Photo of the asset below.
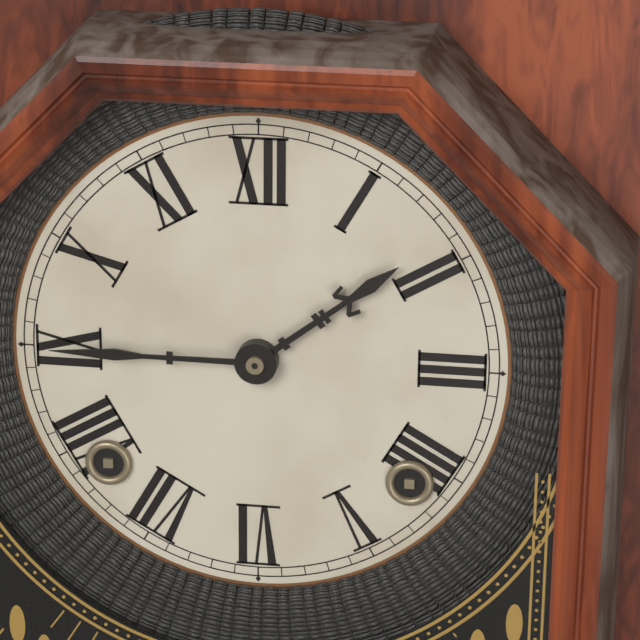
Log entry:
h=1 m=45
